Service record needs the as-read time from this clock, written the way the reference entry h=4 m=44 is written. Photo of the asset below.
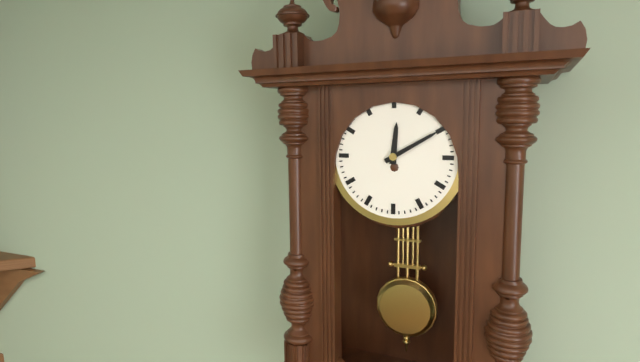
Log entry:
h=12 m=10
